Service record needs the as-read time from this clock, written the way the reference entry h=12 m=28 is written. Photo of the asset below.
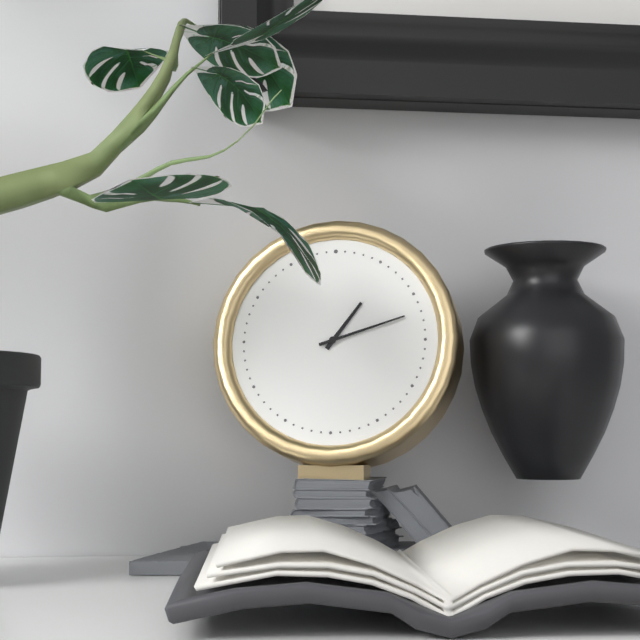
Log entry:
h=1 m=12
